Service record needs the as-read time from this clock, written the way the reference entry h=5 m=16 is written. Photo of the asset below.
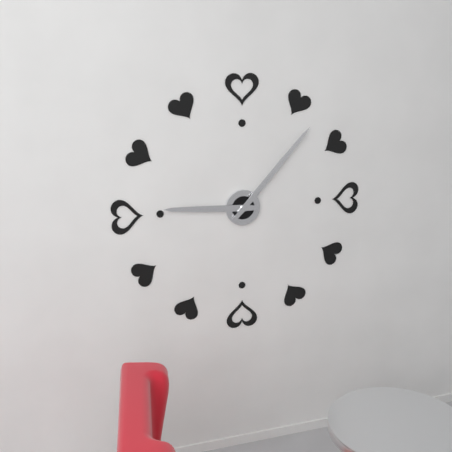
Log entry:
h=9 m=7
